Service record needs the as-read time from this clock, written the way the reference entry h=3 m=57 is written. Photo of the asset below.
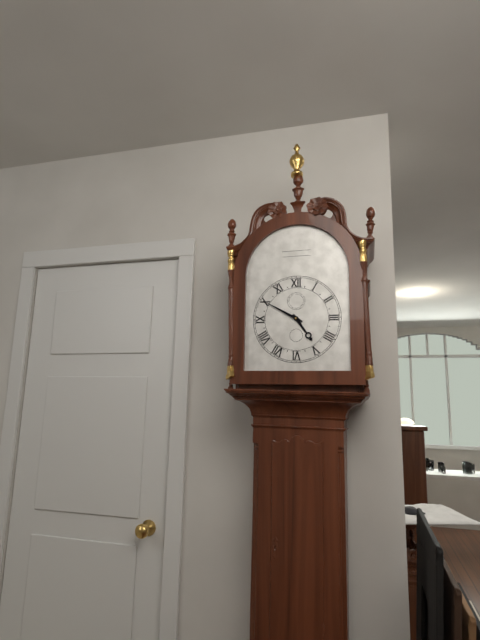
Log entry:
h=4 m=50
